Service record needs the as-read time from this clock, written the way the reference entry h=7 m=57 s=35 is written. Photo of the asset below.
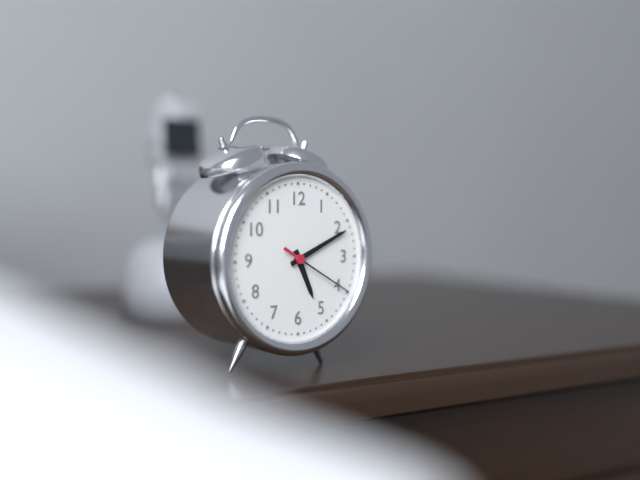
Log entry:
h=5 m=11 s=20
